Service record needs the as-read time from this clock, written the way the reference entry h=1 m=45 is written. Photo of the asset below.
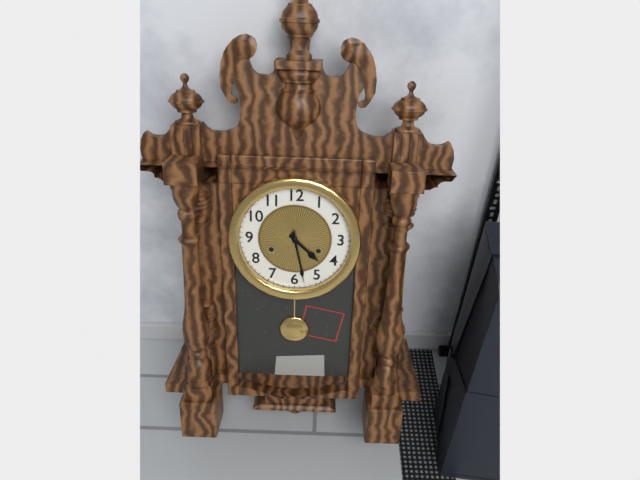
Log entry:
h=4 m=28
